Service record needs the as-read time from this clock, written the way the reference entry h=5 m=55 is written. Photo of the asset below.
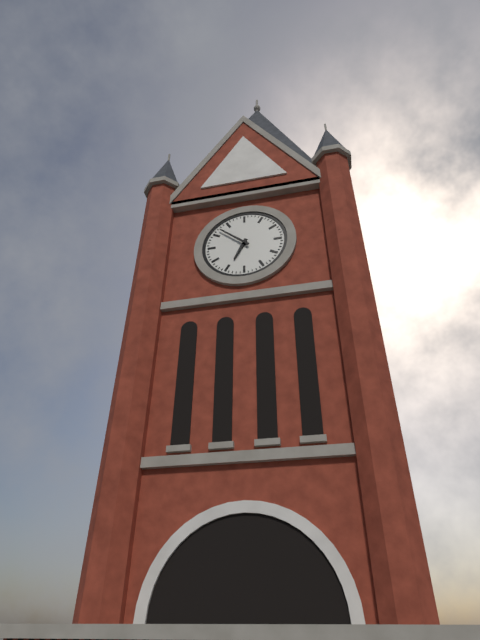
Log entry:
h=6 m=52
